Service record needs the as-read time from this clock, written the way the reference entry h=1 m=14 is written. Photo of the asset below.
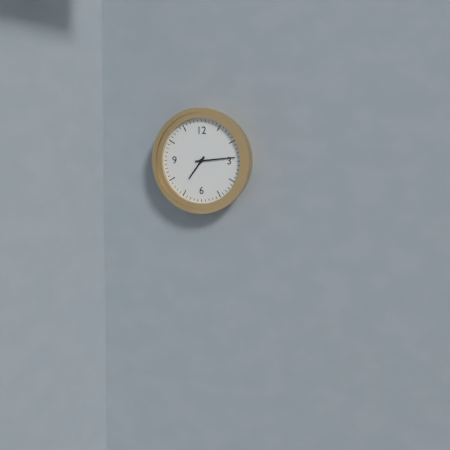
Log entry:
h=7 m=14
